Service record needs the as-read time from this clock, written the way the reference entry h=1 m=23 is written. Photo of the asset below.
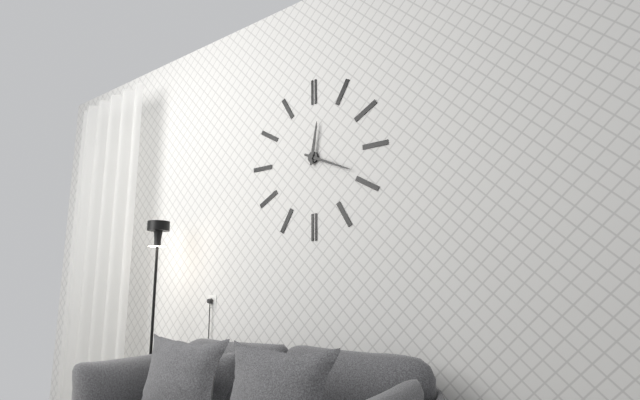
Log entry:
h=12 m=19
